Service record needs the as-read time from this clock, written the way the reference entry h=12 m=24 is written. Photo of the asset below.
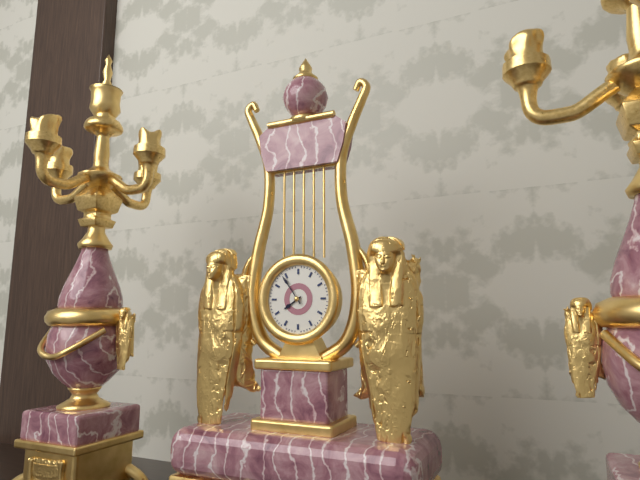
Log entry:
h=7 m=54
